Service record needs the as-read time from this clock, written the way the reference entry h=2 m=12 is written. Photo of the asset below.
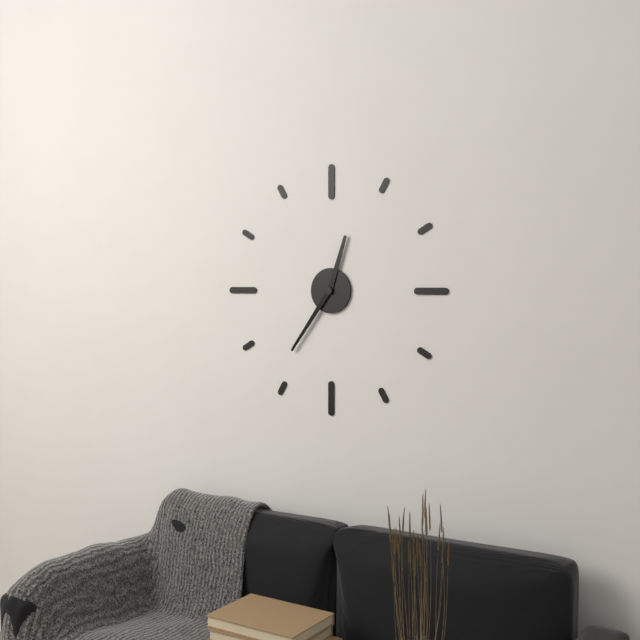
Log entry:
h=12 m=36
